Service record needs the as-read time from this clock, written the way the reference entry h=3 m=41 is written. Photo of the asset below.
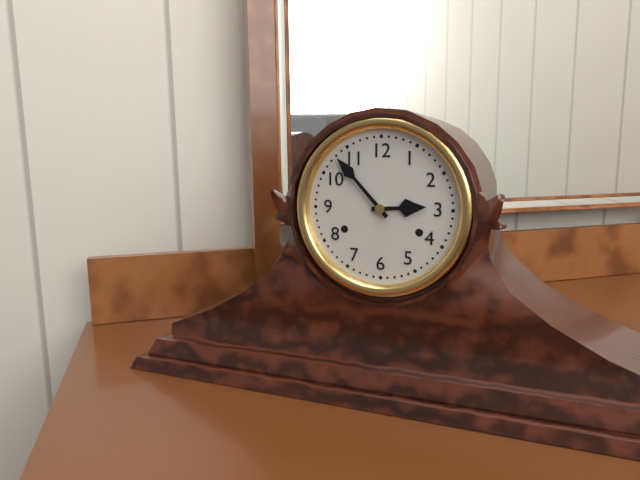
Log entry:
h=2 m=53
